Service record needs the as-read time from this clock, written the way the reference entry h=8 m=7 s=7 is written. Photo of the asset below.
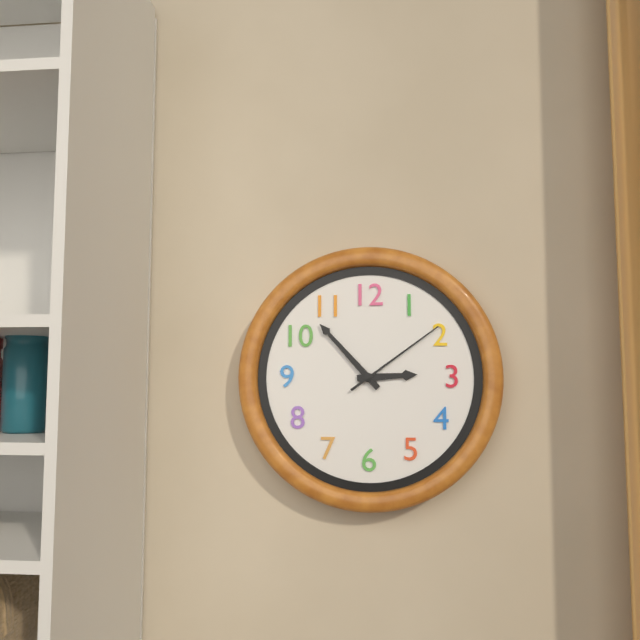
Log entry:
h=2 m=53 s=9
